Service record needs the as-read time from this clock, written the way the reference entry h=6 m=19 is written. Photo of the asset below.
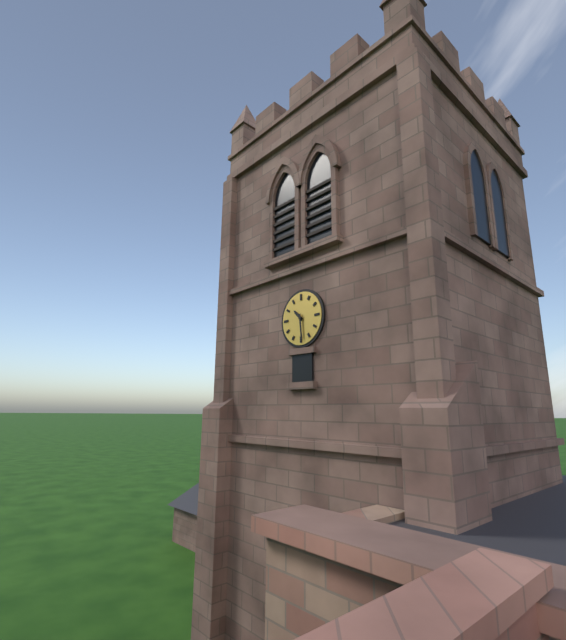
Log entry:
h=10 m=29
